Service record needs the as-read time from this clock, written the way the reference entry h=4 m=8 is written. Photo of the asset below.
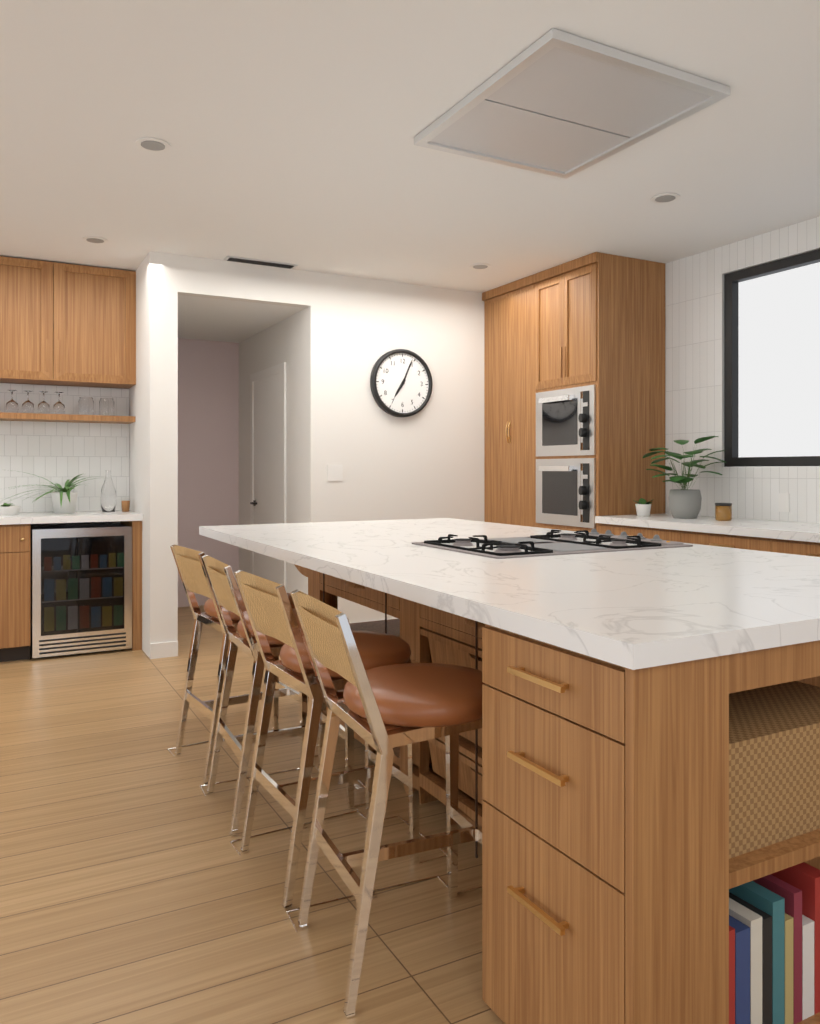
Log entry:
h=7 m=4
